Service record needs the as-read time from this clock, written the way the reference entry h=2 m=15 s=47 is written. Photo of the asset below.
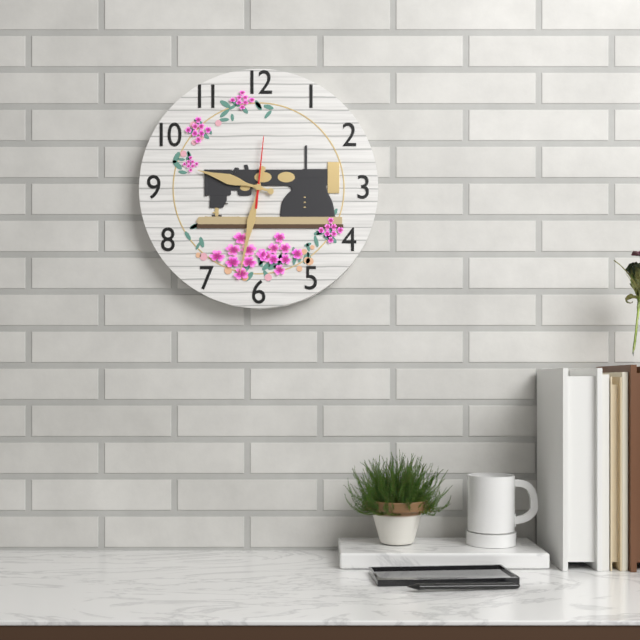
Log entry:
h=9 m=32 s=1
